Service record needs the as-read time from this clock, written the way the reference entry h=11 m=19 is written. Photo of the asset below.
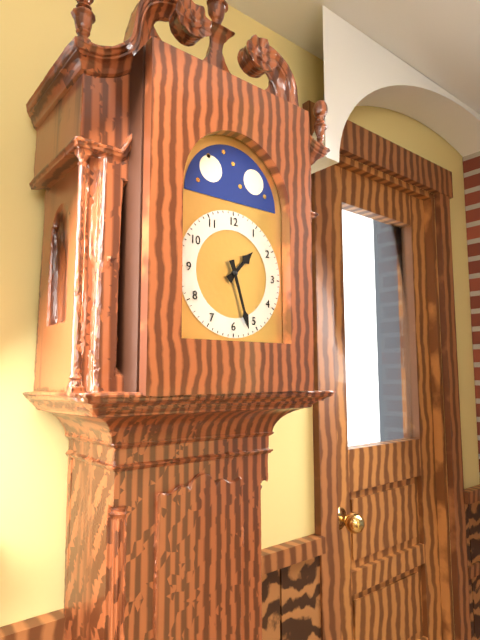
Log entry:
h=1 m=27
